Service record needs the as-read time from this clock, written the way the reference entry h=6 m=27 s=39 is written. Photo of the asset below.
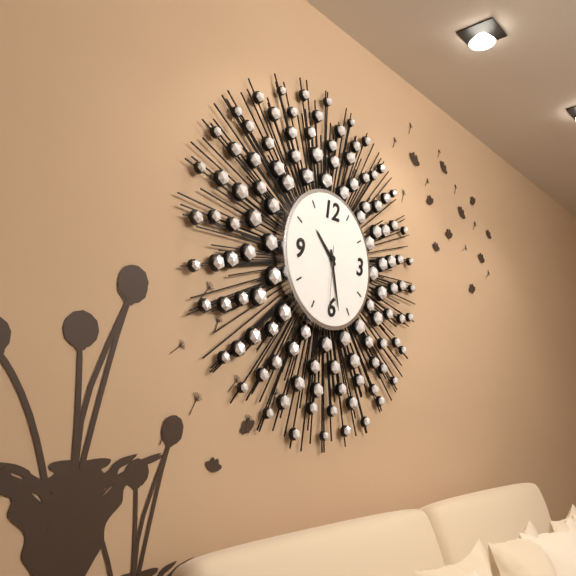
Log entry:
h=10 m=28 s=31
